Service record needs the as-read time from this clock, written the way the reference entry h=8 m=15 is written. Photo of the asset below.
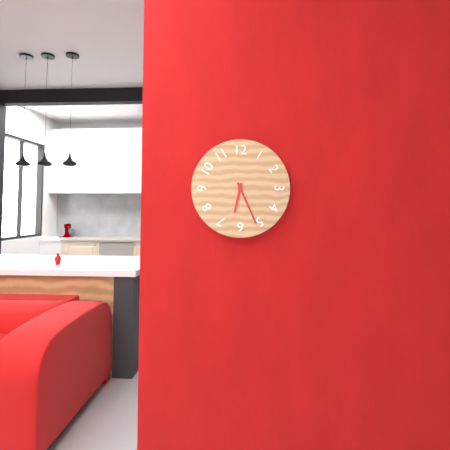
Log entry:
h=6 m=26
